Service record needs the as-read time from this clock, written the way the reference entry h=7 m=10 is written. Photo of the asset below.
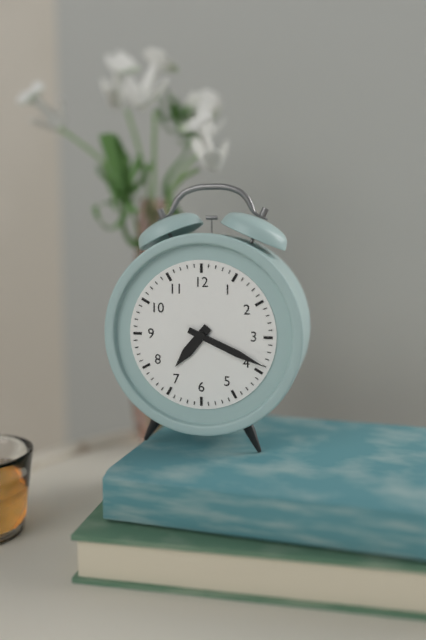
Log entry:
h=7 m=19
